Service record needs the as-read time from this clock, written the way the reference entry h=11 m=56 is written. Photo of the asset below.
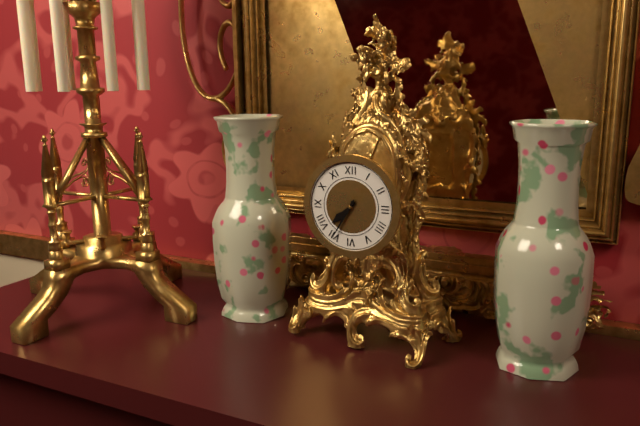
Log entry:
h=7 m=35
